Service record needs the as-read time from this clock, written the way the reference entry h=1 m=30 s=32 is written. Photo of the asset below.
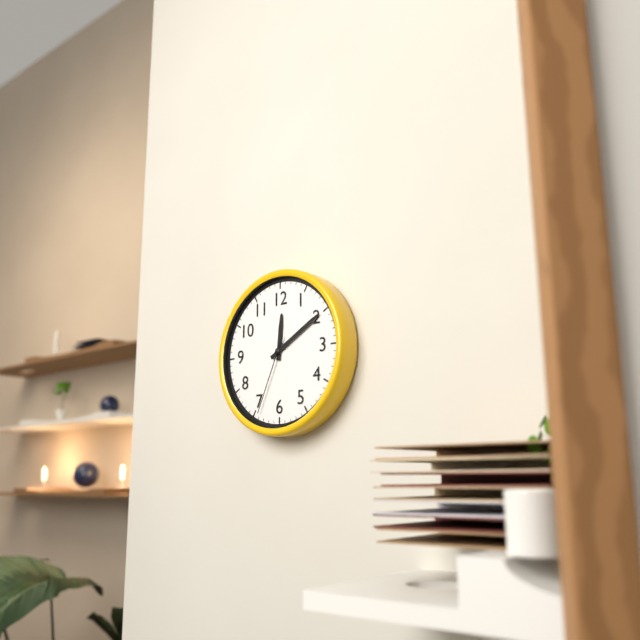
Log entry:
h=12 m=10 s=34
